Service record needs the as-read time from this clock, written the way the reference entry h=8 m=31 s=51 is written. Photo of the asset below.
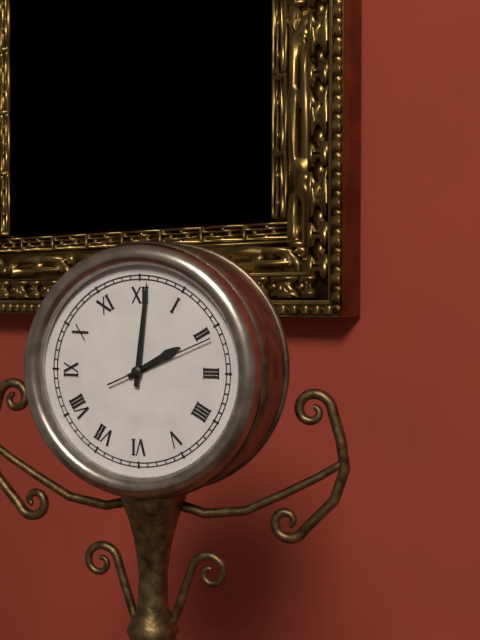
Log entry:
h=2 m=1 s=11
